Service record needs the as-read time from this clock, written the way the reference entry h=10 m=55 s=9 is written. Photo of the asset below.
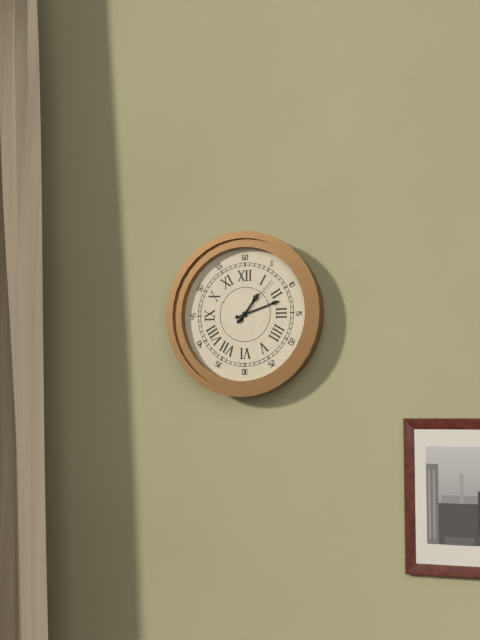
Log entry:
h=1 m=12 s=7
